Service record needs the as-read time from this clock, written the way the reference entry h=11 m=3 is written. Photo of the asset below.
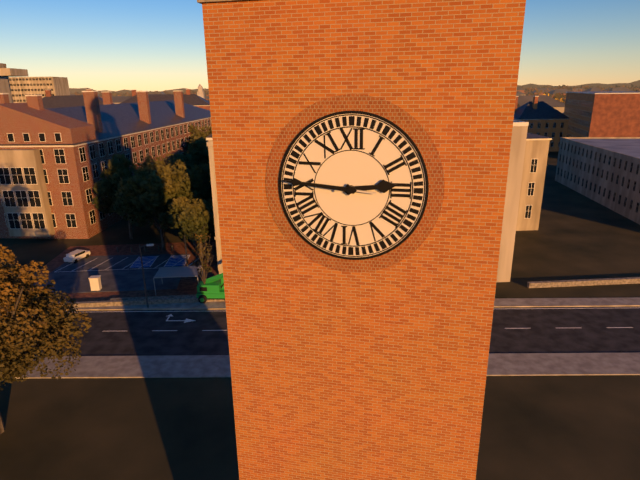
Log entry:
h=2 m=46
